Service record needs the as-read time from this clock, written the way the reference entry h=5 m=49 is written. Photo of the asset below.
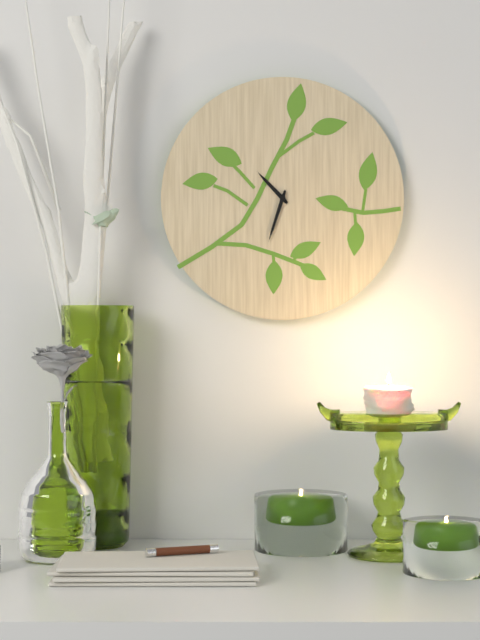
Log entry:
h=10 m=33
